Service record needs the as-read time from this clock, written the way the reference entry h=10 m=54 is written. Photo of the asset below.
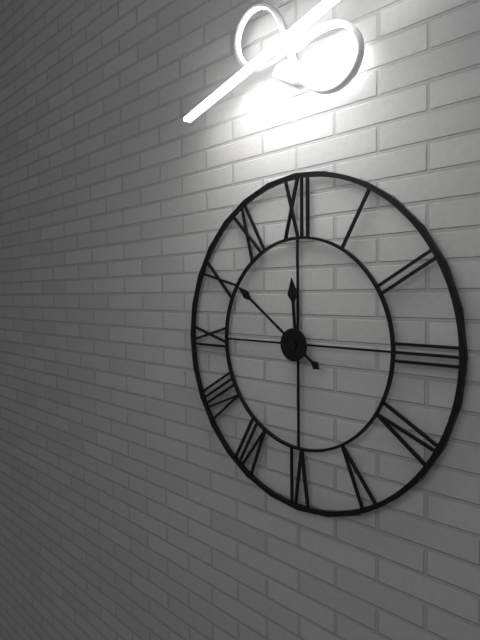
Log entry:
h=11 m=51
